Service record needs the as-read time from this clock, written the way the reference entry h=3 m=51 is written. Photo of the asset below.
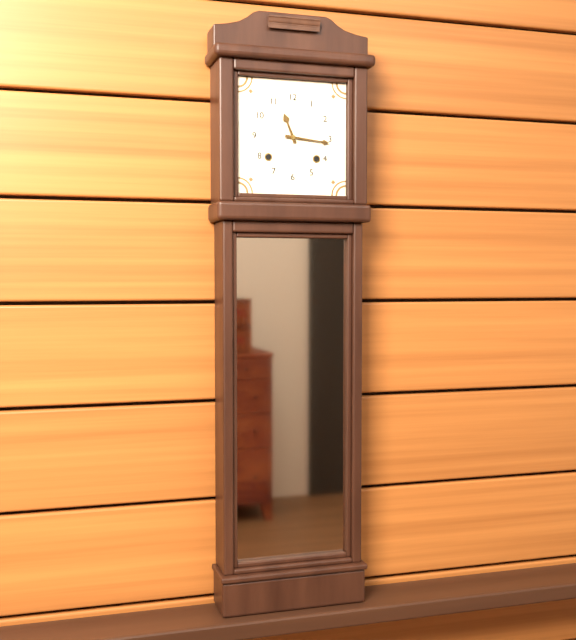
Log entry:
h=11 m=16
